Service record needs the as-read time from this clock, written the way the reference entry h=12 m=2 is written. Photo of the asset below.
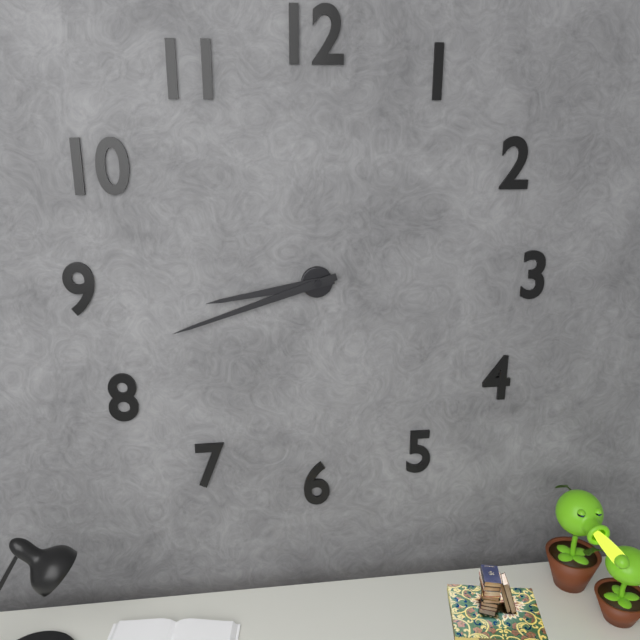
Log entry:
h=8 m=42
